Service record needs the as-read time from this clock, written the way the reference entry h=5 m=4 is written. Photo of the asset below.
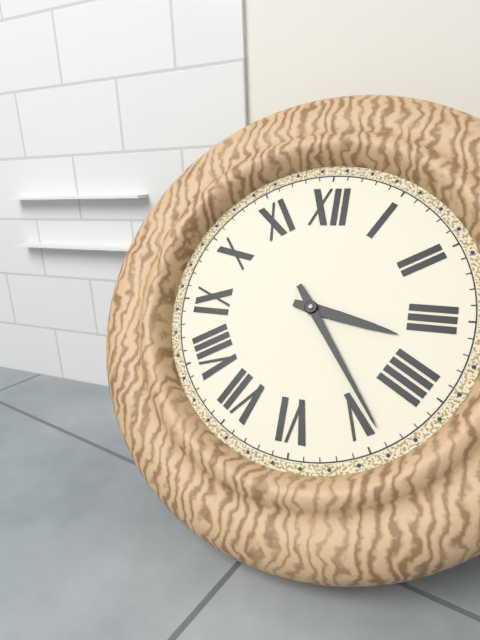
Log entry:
h=3 m=24
